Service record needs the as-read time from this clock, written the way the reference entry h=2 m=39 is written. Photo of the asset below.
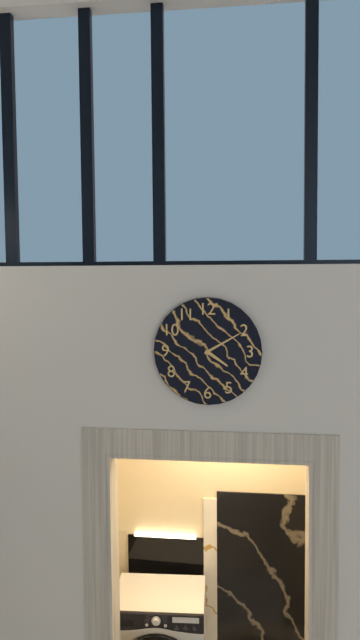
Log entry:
h=4 m=10
